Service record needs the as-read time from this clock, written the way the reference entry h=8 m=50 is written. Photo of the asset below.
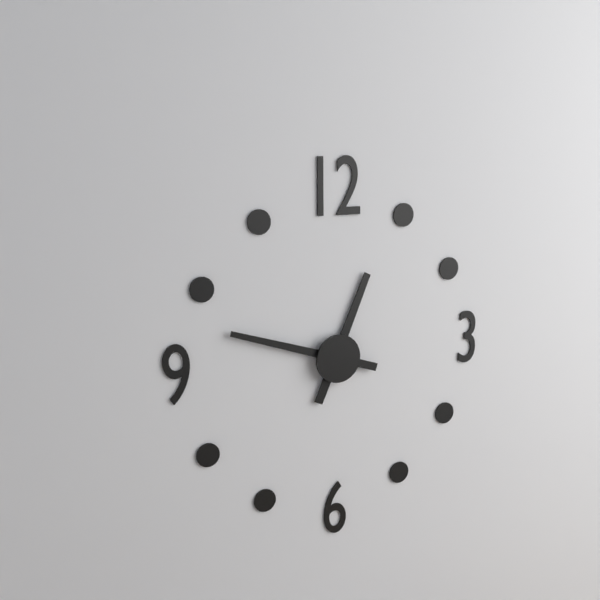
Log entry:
h=12 m=48
